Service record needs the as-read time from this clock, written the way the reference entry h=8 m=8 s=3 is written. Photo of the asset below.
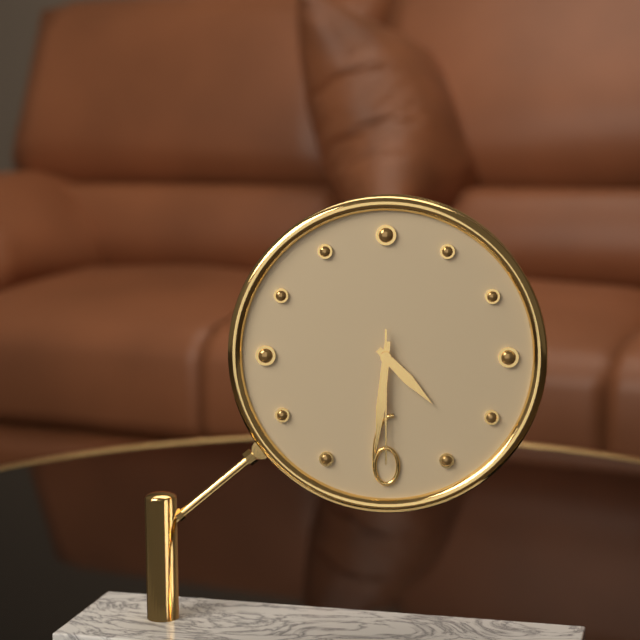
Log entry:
h=4 m=31 s=30
